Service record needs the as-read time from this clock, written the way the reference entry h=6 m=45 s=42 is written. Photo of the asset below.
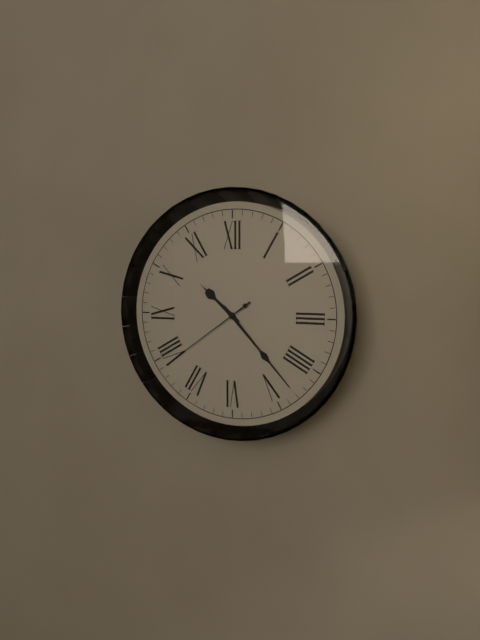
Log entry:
h=10 m=23 s=39
